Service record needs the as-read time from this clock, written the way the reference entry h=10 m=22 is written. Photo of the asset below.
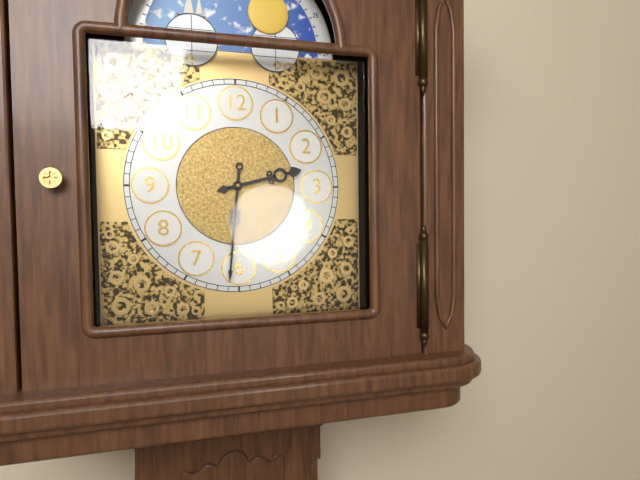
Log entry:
h=2 m=31
